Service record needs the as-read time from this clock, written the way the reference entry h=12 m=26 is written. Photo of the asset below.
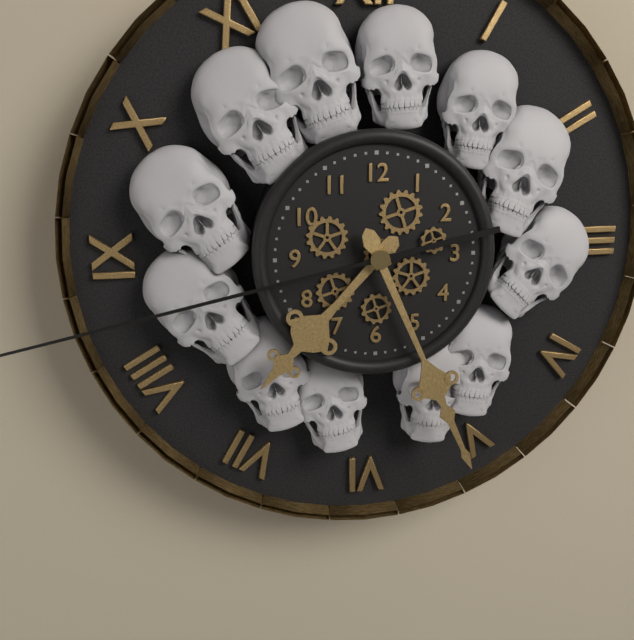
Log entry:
h=7 m=26
